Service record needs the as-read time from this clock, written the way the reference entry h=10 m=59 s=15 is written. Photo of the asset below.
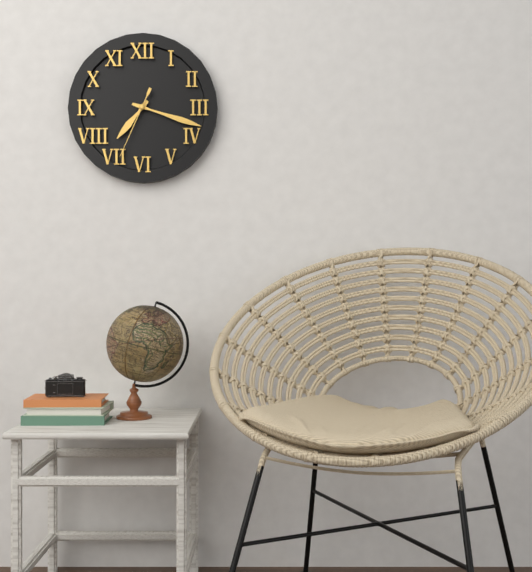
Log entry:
h=7 m=18 s=34
